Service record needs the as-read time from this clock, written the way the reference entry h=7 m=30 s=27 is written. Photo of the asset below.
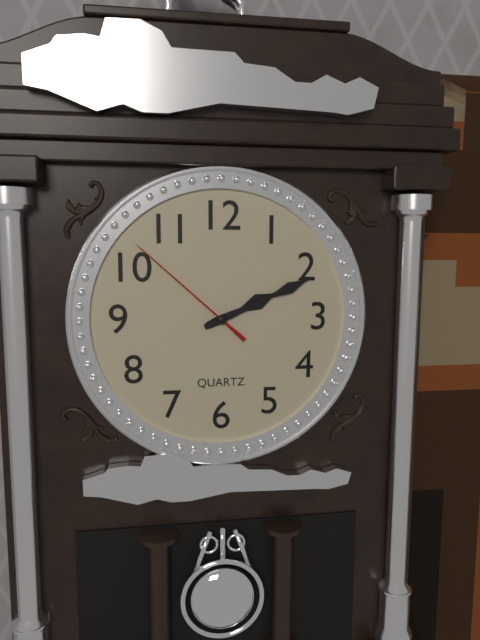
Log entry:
h=2 m=11 s=52
